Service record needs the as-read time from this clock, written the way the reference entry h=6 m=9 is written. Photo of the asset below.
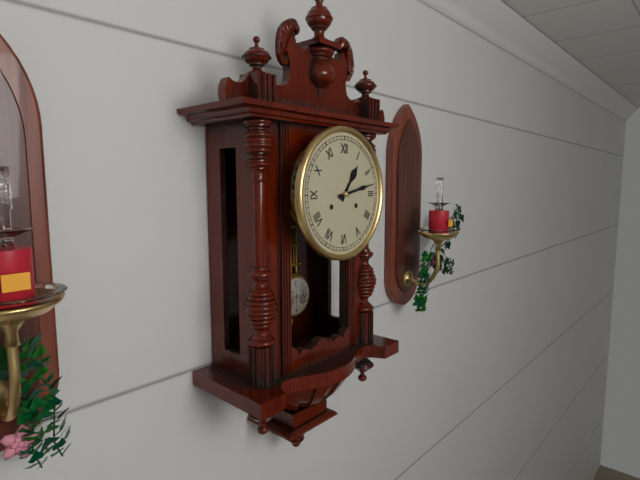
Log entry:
h=1 m=13
